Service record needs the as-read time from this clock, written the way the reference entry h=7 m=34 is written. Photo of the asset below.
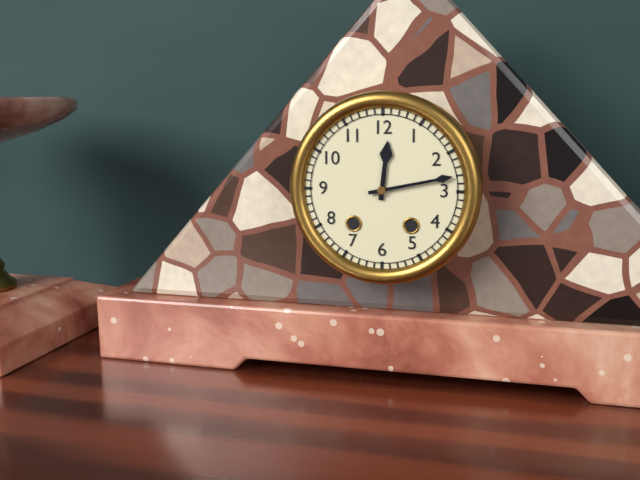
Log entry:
h=12 m=13
